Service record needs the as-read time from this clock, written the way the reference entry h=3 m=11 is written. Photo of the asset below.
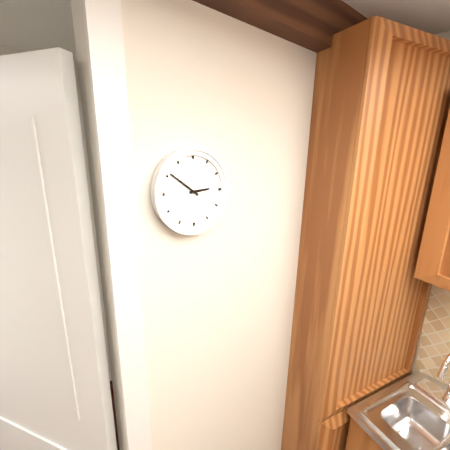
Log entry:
h=2 m=51
